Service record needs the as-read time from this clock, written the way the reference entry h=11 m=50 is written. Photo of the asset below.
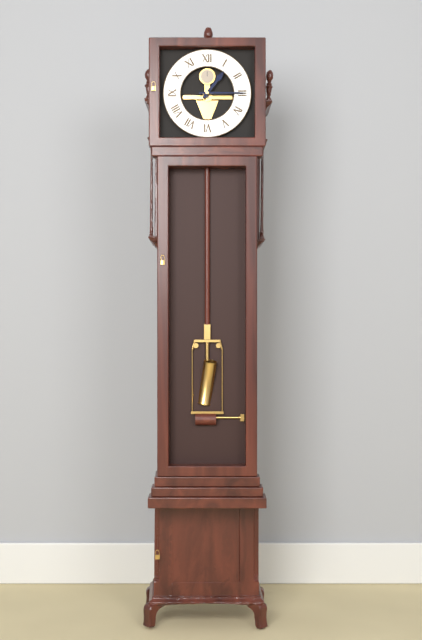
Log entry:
h=1 m=15
